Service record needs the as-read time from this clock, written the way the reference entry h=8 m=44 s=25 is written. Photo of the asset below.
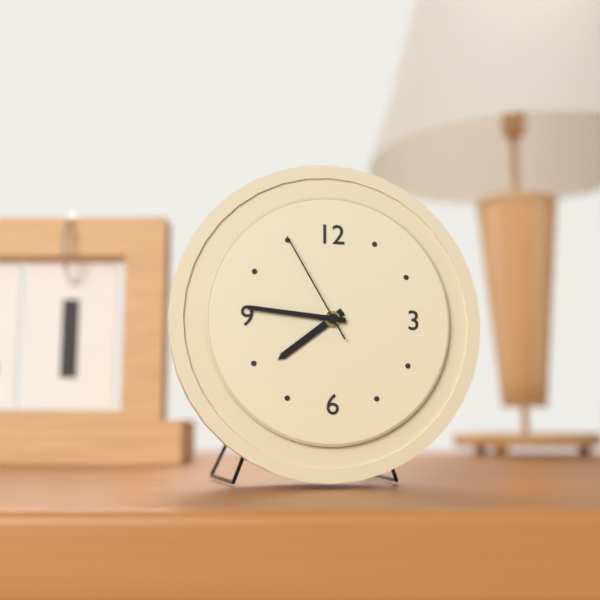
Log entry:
h=7 m=46 s=55
